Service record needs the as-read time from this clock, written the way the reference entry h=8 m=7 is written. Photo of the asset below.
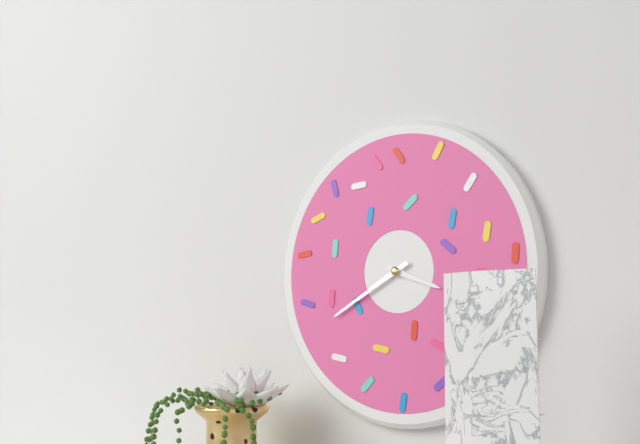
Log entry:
h=3 m=40
